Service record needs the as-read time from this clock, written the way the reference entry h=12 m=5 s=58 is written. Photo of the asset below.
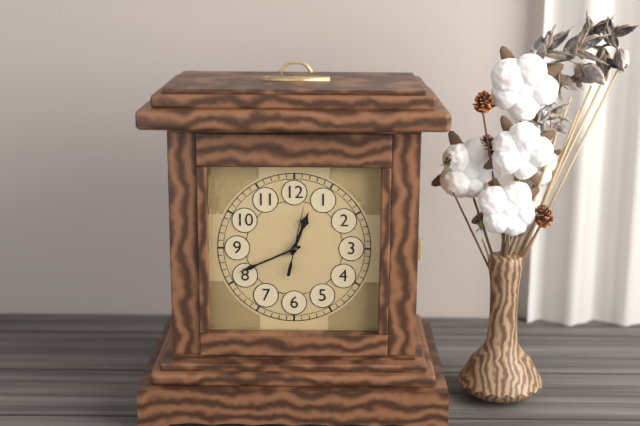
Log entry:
h=12 m=41 s=2
